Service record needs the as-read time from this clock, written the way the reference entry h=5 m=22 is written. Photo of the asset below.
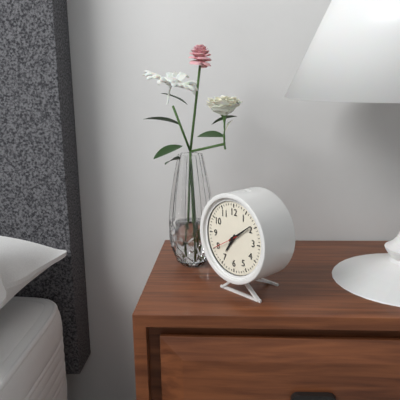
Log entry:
h=7 m=9
